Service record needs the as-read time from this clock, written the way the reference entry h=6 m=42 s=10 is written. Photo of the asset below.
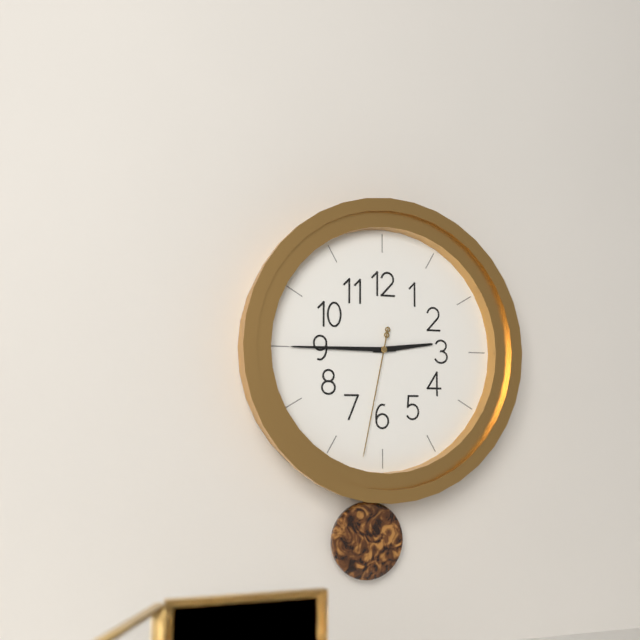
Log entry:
h=2 m=45 s=32
